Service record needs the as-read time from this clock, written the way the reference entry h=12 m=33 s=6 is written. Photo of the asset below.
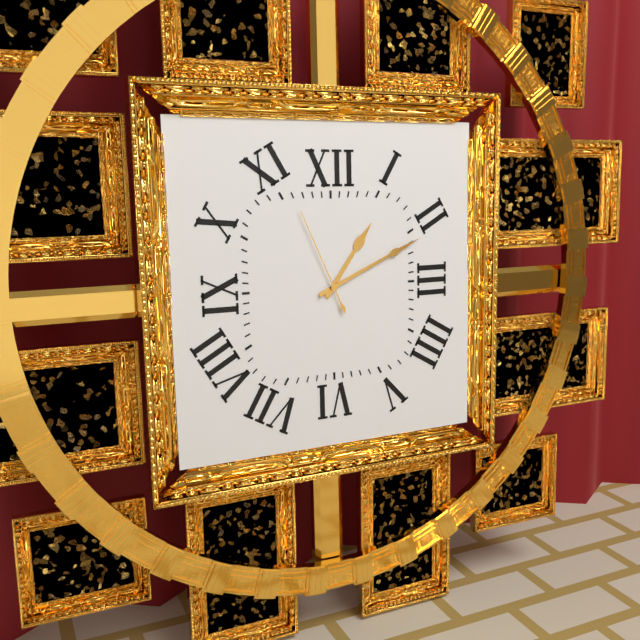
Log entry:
h=1 m=11 s=56
